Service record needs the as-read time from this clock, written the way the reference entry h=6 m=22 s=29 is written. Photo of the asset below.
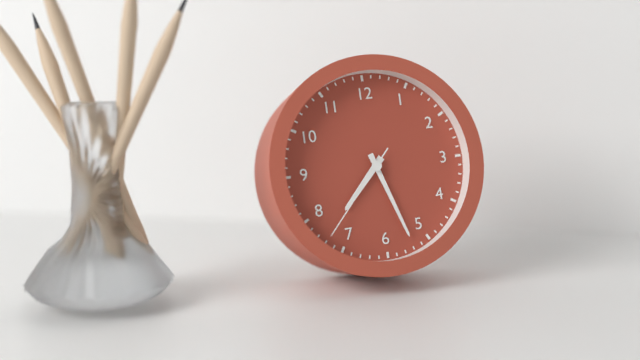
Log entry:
h=7 m=27 s=37
